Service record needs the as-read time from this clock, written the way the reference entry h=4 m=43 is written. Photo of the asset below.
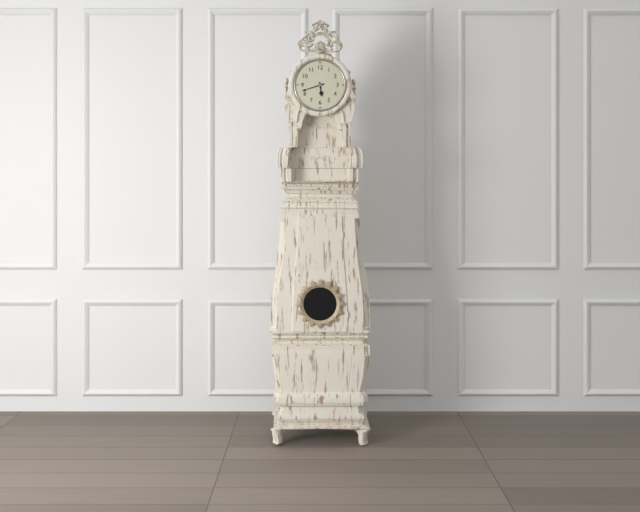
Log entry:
h=5 m=42
